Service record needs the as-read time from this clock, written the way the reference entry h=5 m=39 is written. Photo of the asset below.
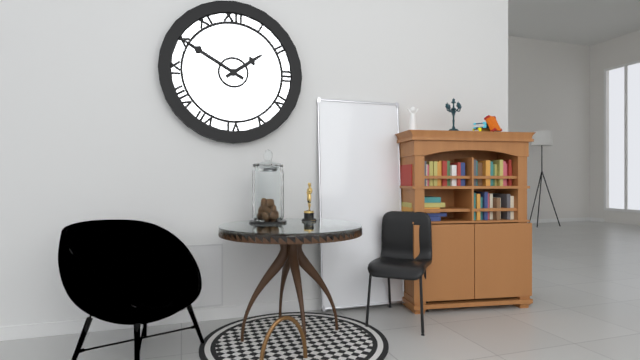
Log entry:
h=1 m=50
